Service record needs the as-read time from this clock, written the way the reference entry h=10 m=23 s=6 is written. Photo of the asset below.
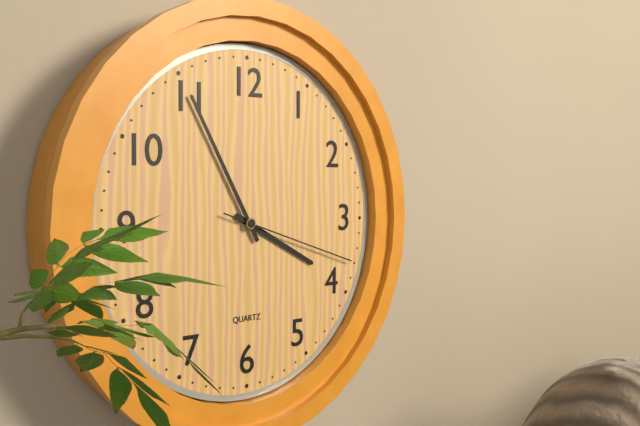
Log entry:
h=3 m=55 s=18
